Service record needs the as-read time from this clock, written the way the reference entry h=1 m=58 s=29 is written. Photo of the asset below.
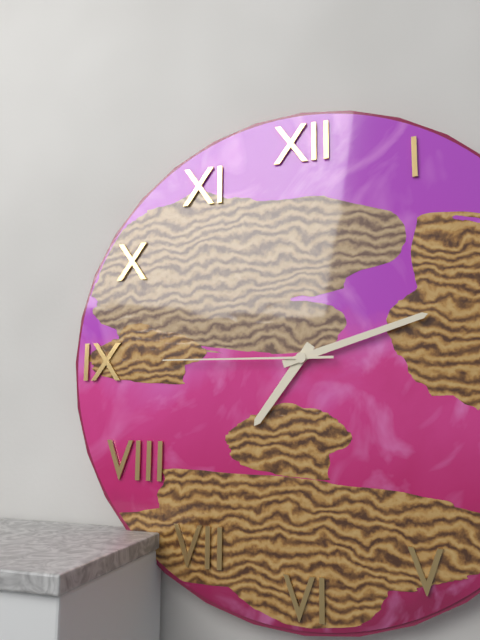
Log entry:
h=7 m=12 s=45
